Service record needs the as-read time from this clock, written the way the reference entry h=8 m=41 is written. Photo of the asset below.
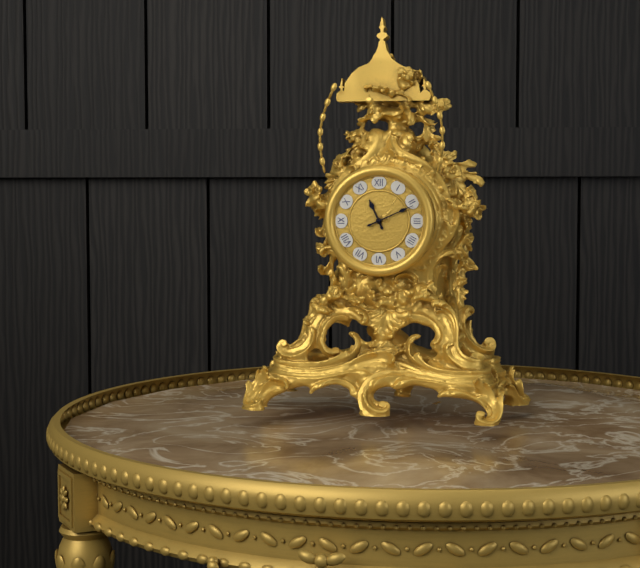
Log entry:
h=11 m=11
